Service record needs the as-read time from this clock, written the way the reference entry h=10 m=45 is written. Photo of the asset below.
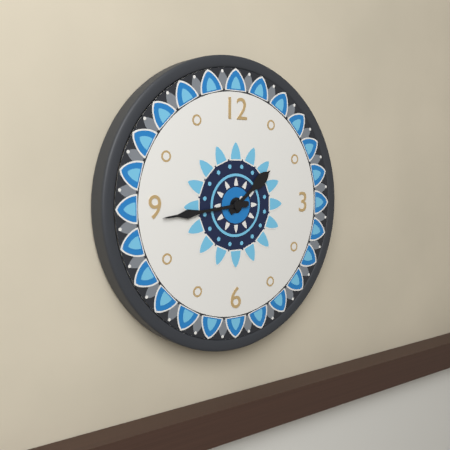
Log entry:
h=1 m=44
